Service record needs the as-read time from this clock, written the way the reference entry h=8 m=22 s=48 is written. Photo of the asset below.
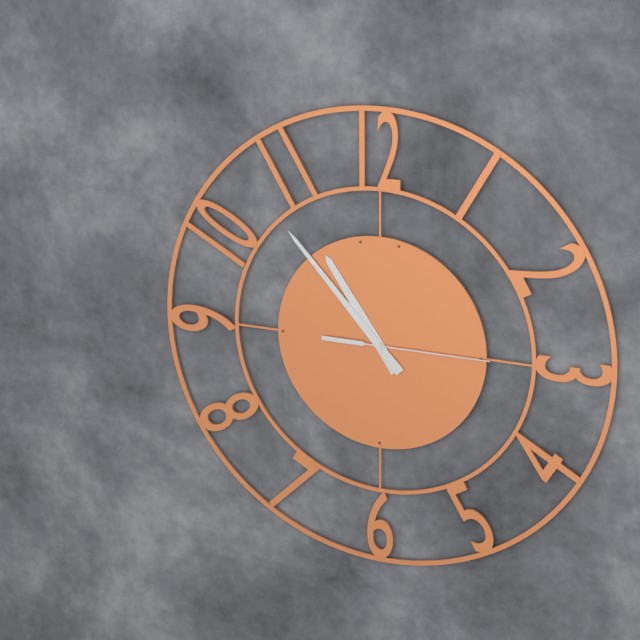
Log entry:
h=10 m=53 s=15
